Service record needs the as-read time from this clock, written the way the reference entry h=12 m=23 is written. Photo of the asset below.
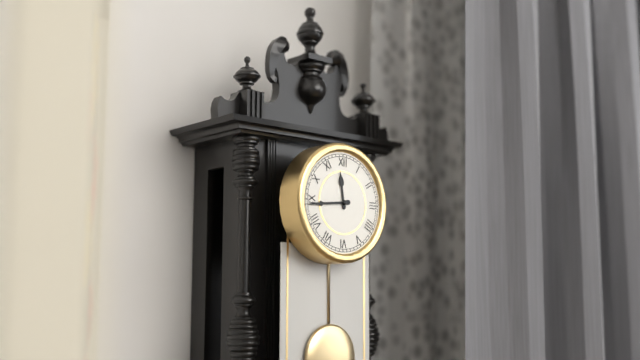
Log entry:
h=11 m=44
